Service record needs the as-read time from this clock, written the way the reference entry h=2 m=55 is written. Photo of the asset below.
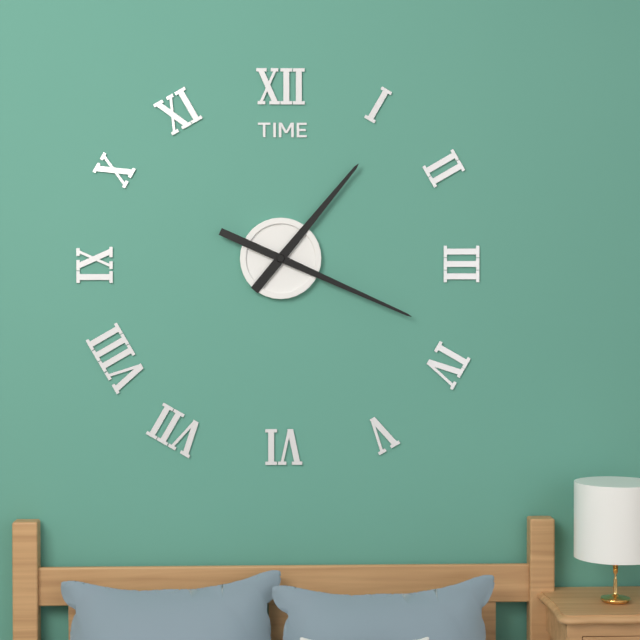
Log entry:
h=1 m=19
